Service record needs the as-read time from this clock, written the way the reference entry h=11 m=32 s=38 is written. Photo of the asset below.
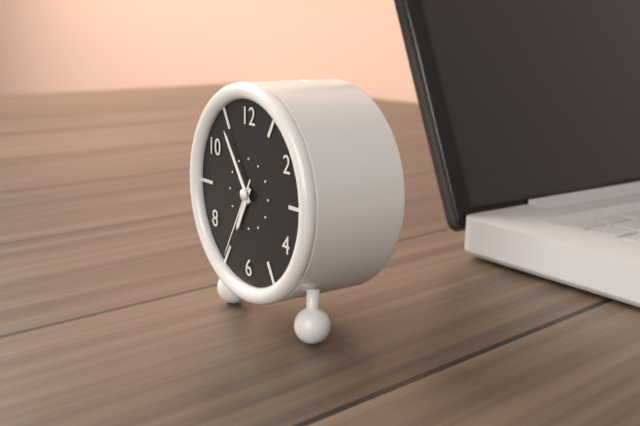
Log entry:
h=6 m=54 s=35
